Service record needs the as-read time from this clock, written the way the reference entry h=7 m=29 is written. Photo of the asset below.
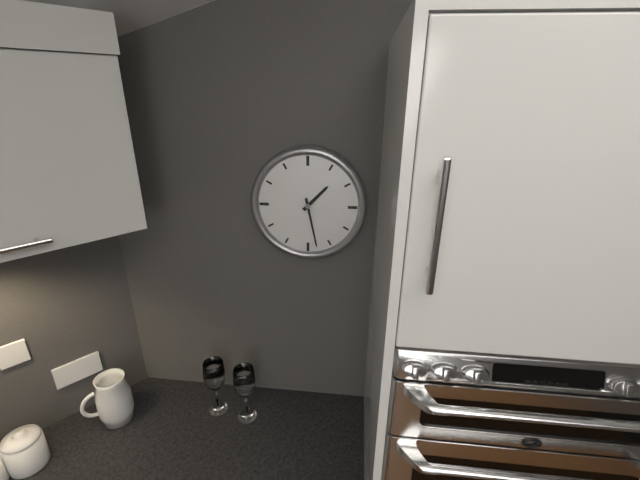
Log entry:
h=1 m=28
